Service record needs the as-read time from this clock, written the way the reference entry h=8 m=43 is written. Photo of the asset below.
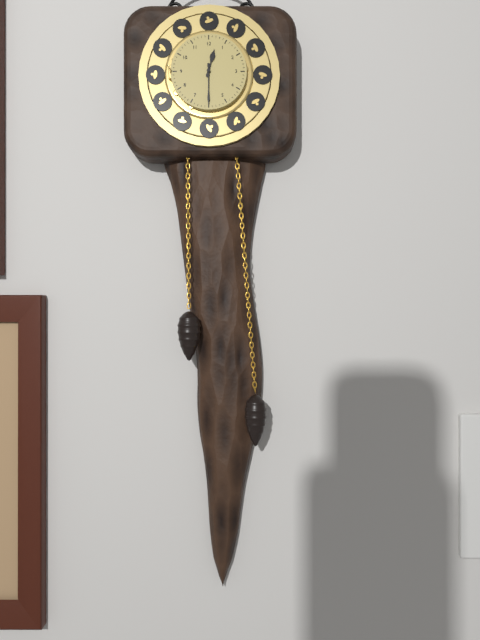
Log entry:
h=12 m=30
